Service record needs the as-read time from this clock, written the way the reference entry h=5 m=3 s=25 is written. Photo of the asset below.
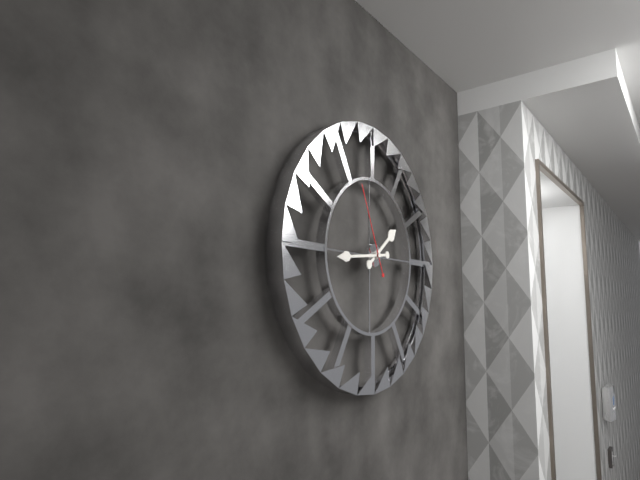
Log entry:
h=1 m=44 s=56
